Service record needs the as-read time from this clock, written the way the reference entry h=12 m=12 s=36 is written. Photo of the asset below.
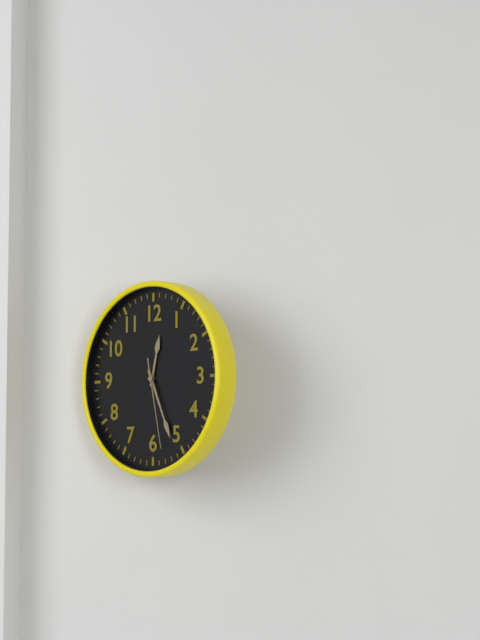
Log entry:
h=12 m=26 s=28
